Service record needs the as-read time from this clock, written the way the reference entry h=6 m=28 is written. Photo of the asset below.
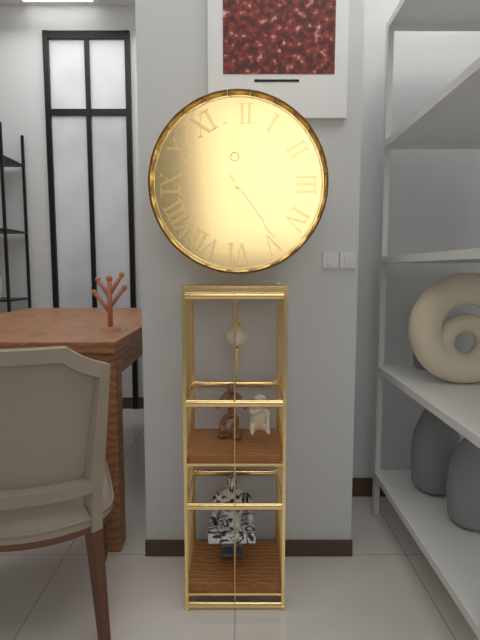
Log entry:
h=5 m=24
